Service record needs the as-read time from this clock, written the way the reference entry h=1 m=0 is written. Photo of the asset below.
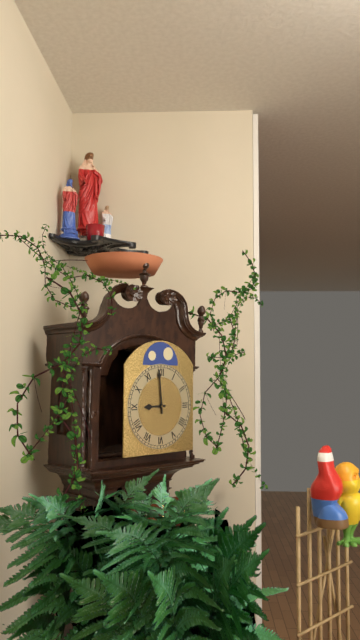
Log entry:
h=8 m=59
